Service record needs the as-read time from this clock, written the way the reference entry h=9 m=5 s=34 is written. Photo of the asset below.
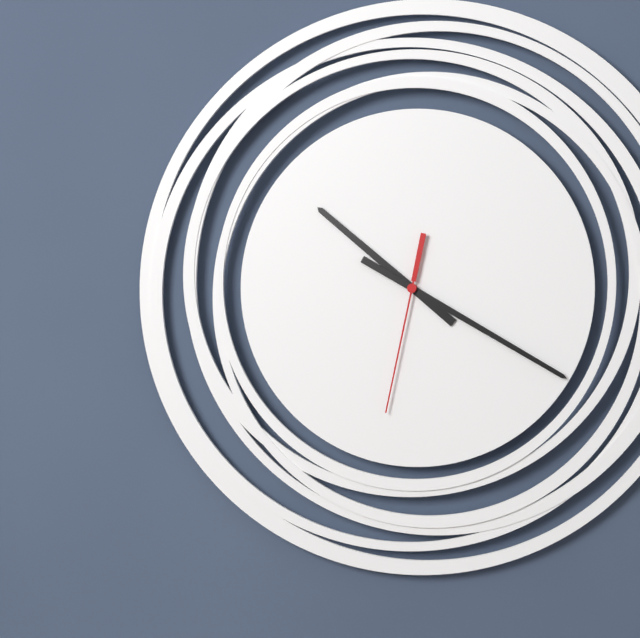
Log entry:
h=10 m=20 s=32
